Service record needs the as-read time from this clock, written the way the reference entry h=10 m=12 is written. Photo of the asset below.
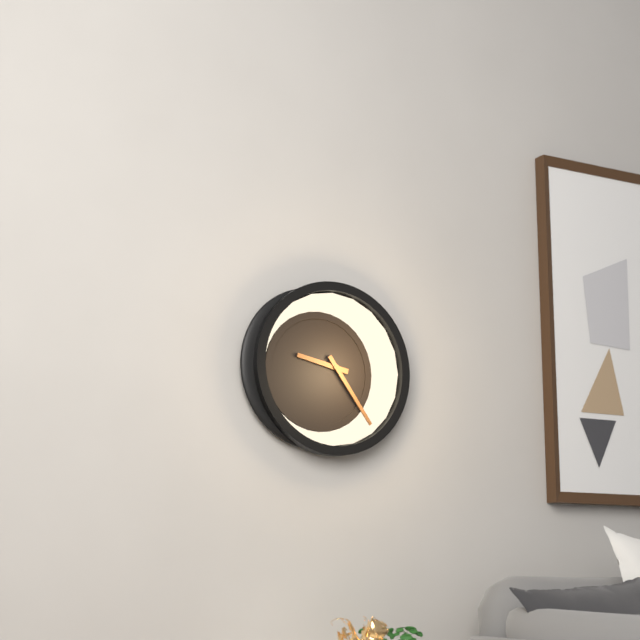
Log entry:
h=9 m=24
